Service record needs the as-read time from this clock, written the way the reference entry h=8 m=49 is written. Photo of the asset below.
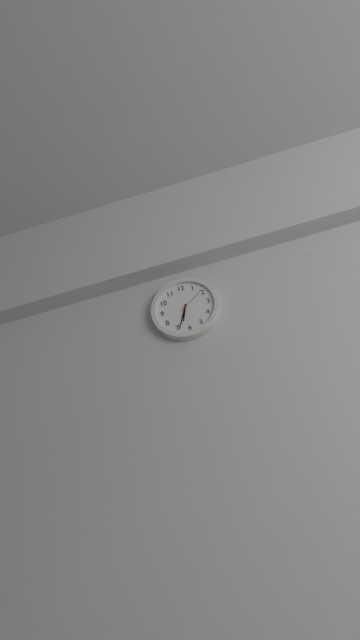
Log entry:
h=6 m=34
